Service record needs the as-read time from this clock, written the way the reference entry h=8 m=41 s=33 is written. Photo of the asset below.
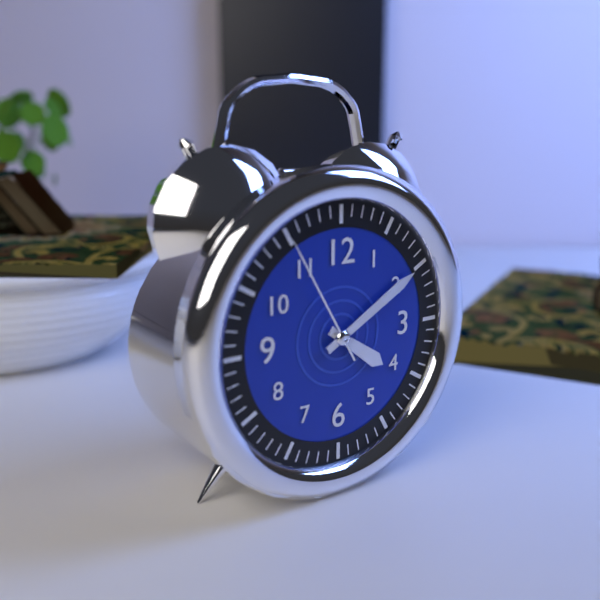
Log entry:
h=4 m=10 s=55
